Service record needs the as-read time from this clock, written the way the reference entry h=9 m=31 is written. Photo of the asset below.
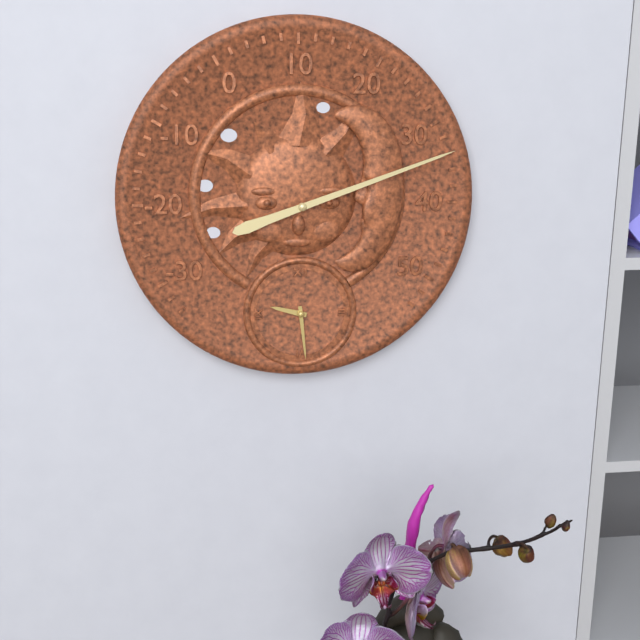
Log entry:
h=9 m=29
